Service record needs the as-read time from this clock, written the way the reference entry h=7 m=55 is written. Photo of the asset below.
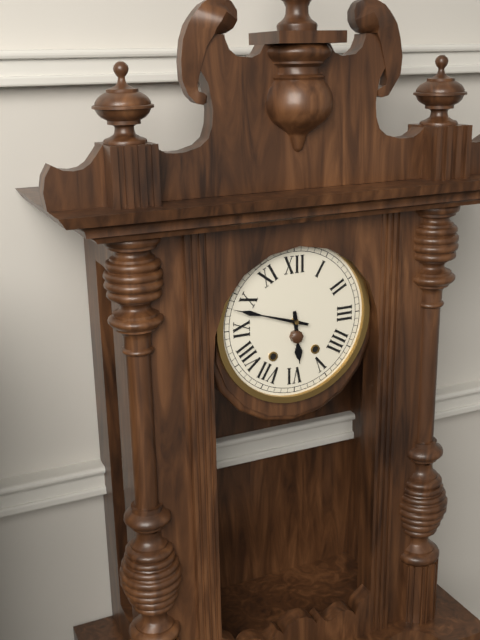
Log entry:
h=5 m=48
